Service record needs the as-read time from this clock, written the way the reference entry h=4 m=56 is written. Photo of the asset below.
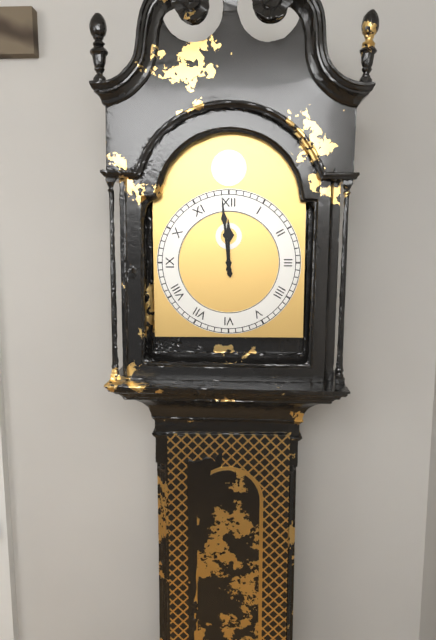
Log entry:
h=11 m=59
